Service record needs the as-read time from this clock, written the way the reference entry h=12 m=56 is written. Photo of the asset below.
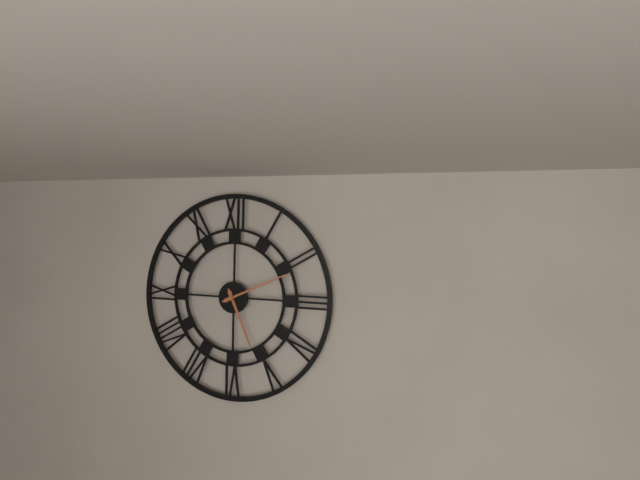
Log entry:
h=5 m=11
